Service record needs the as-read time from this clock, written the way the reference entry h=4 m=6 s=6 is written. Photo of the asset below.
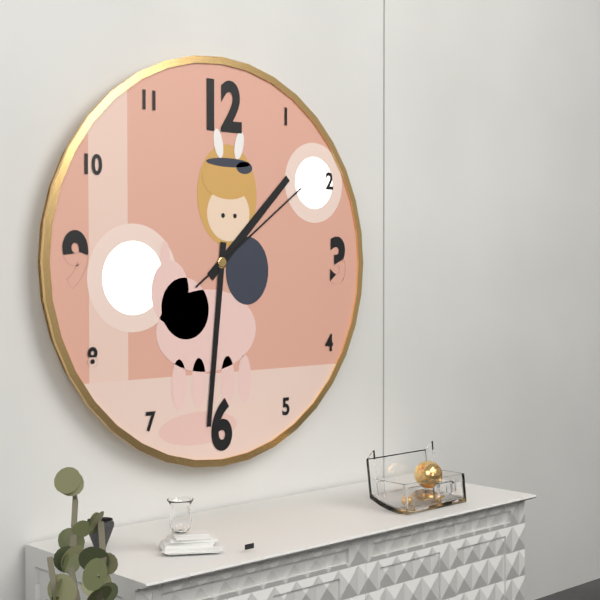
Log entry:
h=1 m=31 s=9
